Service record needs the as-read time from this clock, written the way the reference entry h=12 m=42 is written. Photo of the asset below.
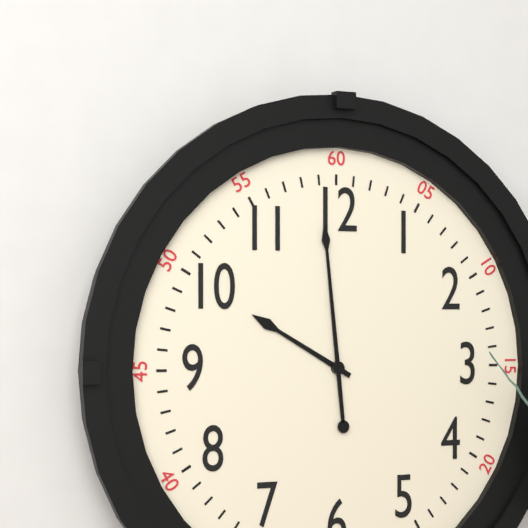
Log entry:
h=9 m=59
